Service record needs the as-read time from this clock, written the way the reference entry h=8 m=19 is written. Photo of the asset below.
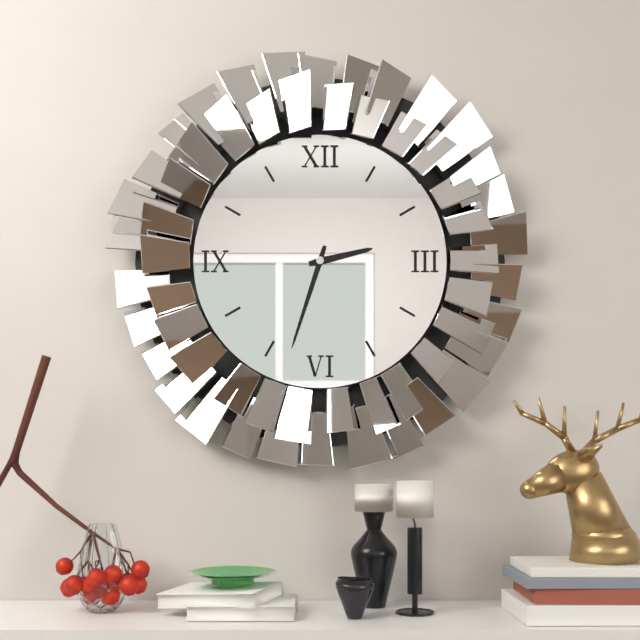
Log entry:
h=2 m=33
